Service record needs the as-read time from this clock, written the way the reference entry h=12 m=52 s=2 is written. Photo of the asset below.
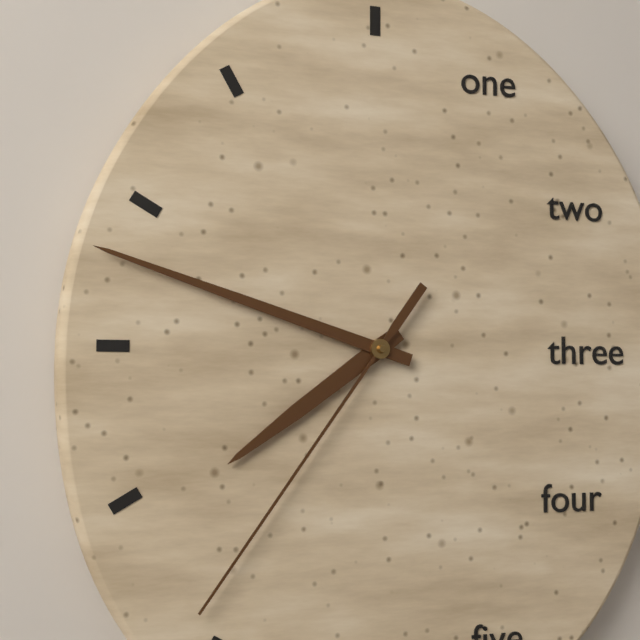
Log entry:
h=7 m=48 s=36
